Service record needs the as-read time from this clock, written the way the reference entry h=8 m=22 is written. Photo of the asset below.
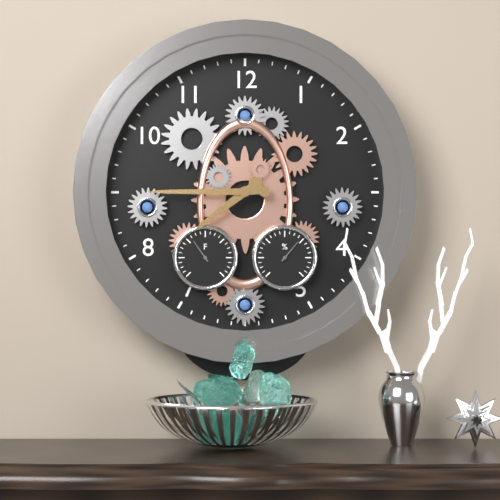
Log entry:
h=7 m=45
